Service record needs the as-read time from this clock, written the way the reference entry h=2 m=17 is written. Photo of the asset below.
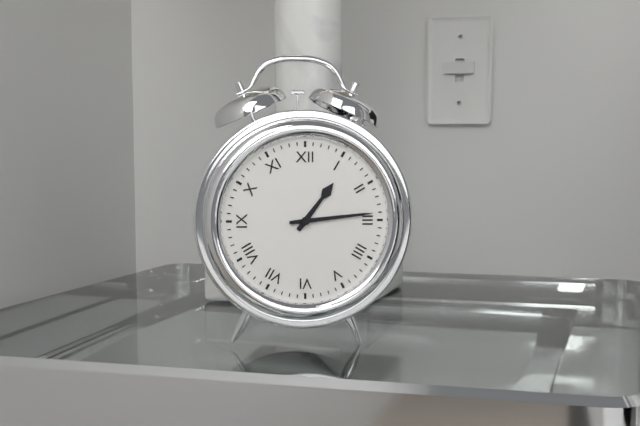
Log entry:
h=1 m=14
